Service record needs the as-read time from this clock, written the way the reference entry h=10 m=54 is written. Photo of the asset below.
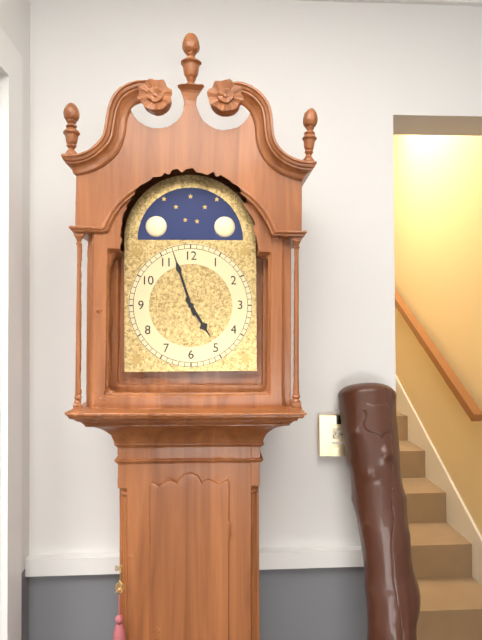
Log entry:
h=4 m=57
